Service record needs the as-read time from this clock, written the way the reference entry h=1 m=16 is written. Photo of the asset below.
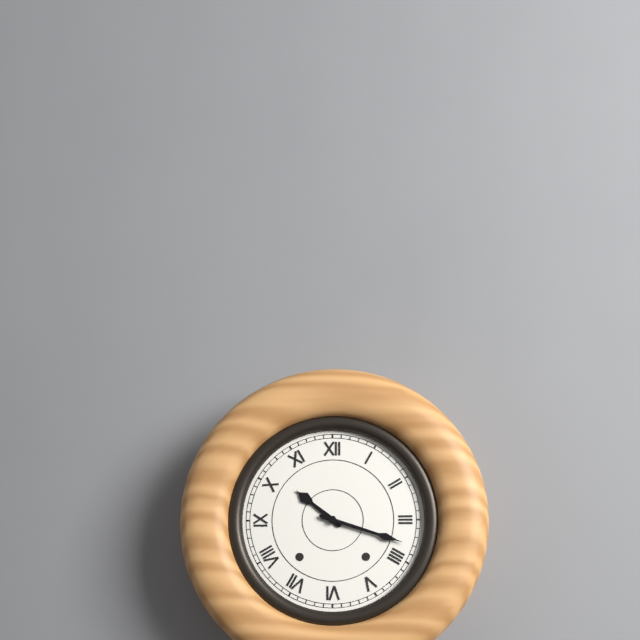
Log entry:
h=10 m=18
